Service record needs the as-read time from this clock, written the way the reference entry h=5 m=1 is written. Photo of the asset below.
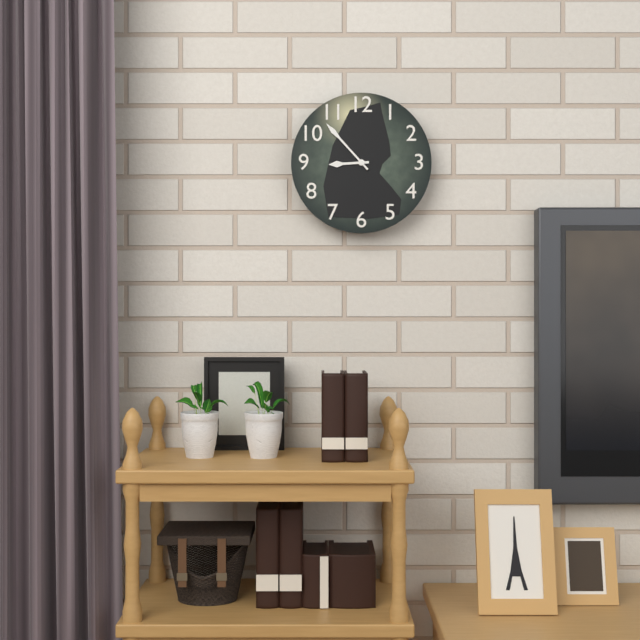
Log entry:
h=8 m=53
